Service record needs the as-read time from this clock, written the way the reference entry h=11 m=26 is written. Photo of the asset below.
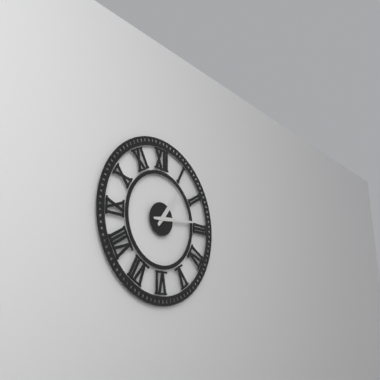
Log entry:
h=1 m=14
